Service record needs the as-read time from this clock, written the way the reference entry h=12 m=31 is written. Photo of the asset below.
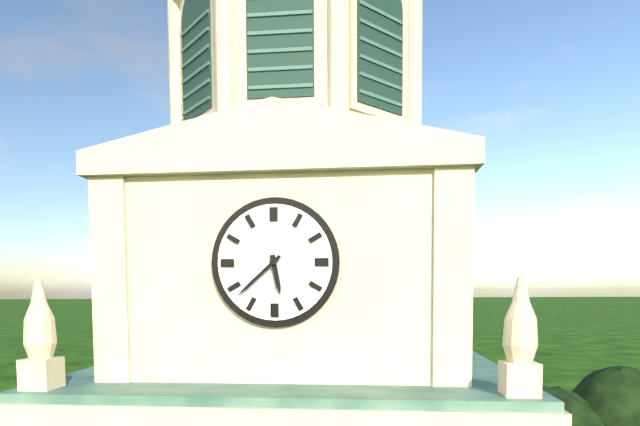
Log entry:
h=5 m=38
